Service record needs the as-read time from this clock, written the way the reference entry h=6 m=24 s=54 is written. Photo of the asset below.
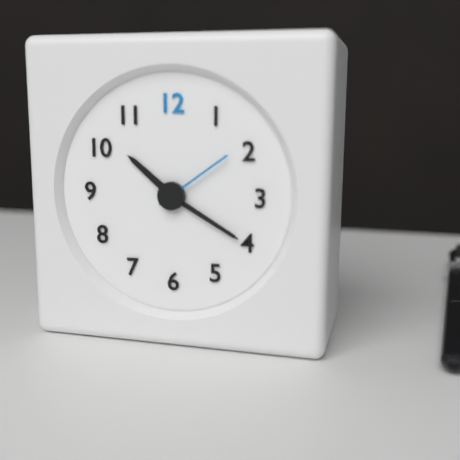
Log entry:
h=10 m=20 s=9
